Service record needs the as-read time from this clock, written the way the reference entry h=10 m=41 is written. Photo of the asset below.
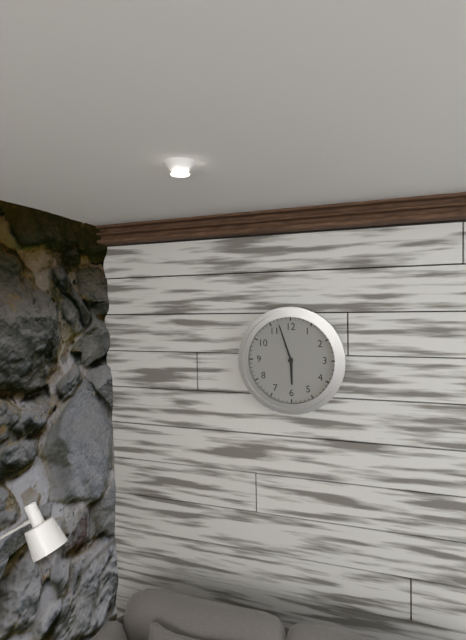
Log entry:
h=5 m=57
